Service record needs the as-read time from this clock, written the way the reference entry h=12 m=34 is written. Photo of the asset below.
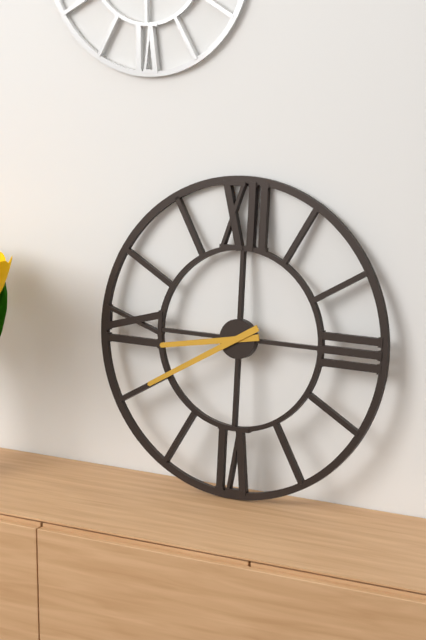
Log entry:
h=8 m=40
